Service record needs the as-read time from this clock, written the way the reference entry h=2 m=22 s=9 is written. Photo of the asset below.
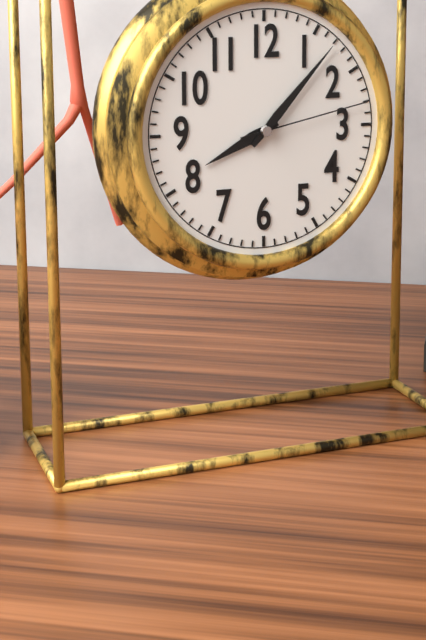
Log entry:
h=8 m=7 s=13
